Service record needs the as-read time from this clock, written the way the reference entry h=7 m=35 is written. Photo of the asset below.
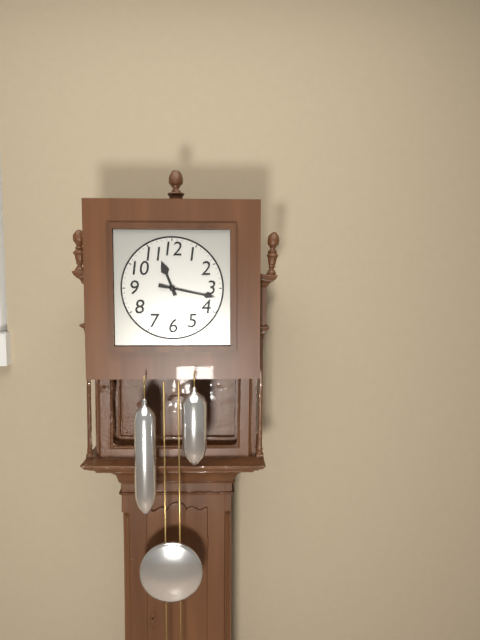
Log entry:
h=11 m=17
